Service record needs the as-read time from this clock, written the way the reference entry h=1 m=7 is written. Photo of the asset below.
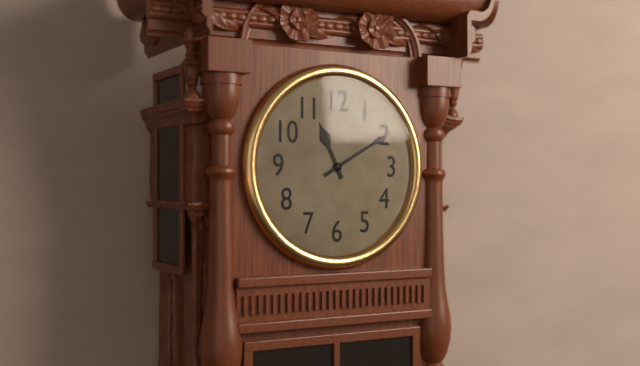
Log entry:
h=11 m=10
